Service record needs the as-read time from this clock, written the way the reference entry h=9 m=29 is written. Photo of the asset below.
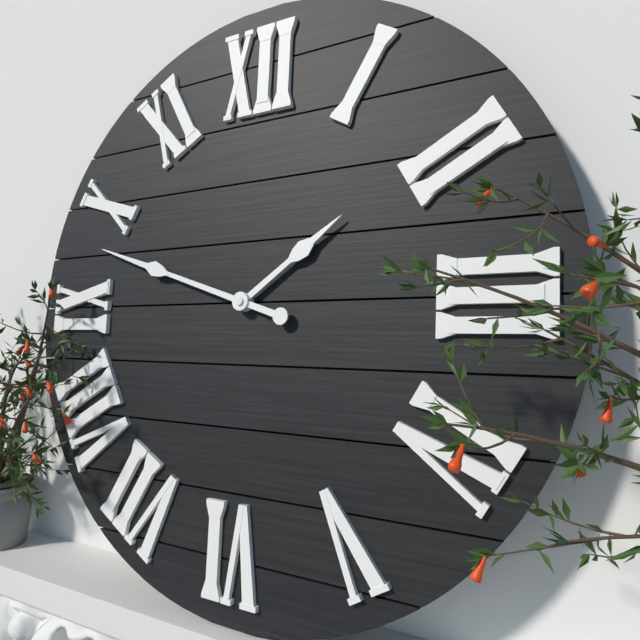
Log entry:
h=1 m=48
